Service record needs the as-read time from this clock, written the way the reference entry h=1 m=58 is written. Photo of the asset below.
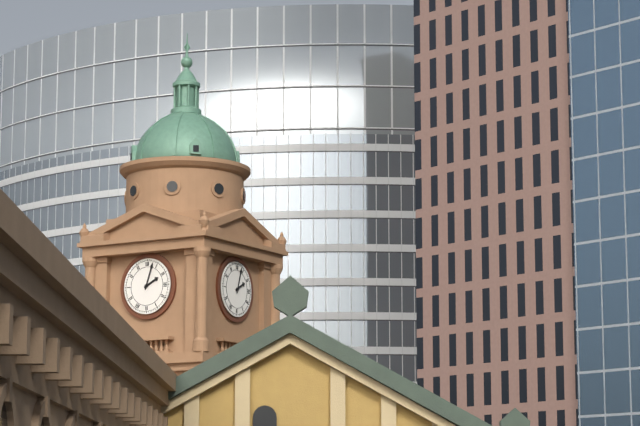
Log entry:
h=2 m=3
